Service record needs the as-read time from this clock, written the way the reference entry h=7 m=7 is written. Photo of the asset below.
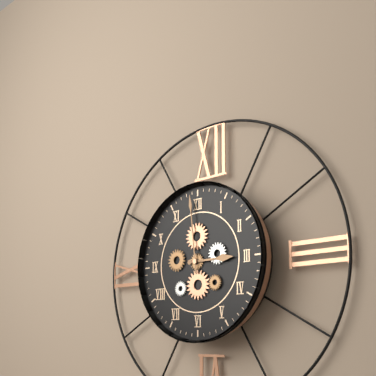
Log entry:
h=2 m=59
